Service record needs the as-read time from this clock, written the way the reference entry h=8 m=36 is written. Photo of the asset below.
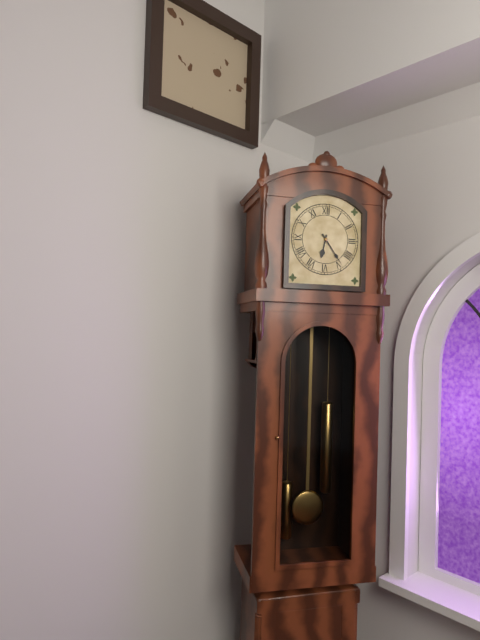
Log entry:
h=6 m=24
